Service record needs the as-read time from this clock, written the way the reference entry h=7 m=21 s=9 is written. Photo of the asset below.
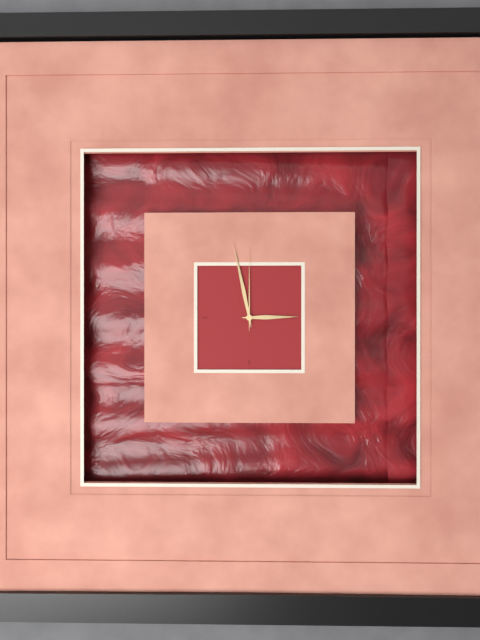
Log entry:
h=2 m=58 s=0
